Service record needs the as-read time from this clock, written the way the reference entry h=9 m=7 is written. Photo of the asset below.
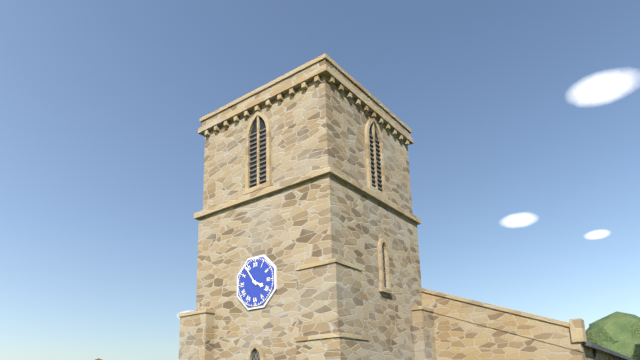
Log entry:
h=3 m=54
